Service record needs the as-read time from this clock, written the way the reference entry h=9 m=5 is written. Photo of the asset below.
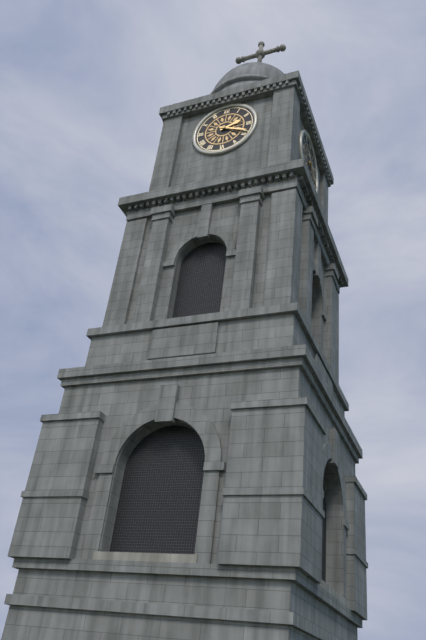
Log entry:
h=2 m=19
